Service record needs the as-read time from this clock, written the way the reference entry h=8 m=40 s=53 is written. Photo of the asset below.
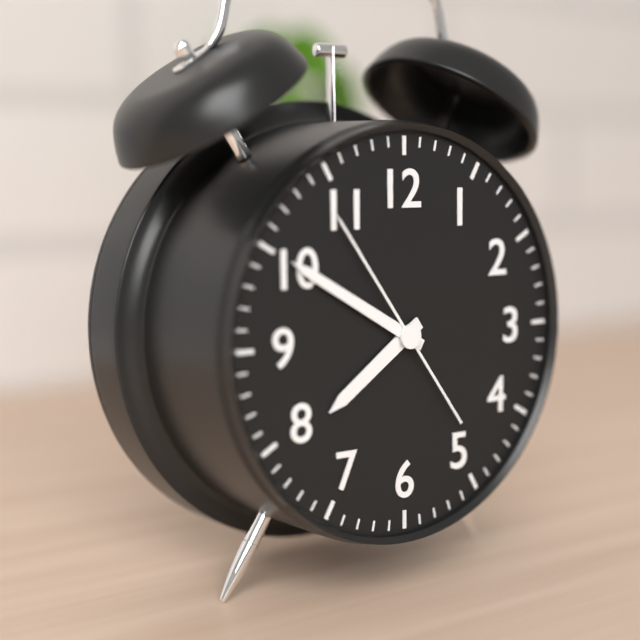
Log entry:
h=7 m=50 s=54
